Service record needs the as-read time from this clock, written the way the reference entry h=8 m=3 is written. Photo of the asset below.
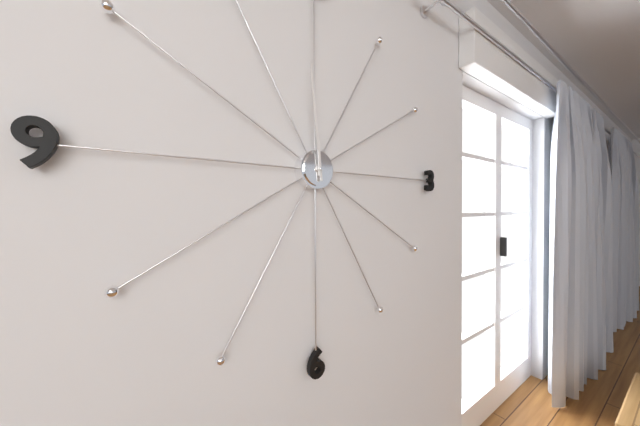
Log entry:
h=11 m=59
